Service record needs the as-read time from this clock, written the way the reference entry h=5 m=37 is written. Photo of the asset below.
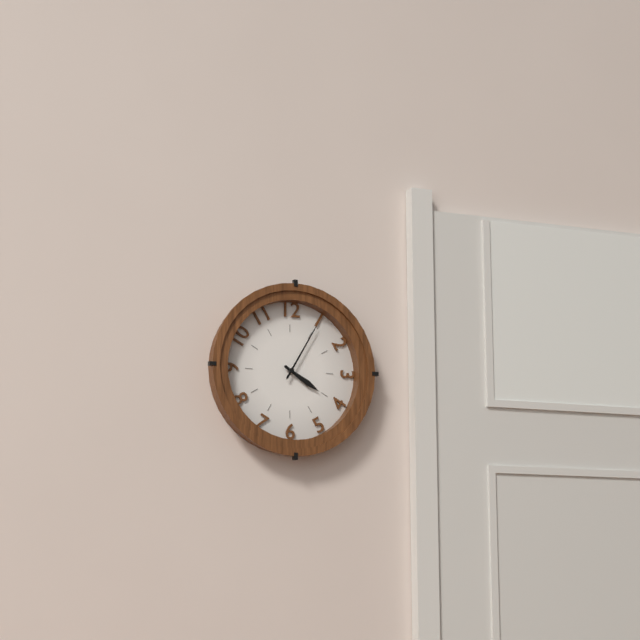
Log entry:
h=4 m=5
